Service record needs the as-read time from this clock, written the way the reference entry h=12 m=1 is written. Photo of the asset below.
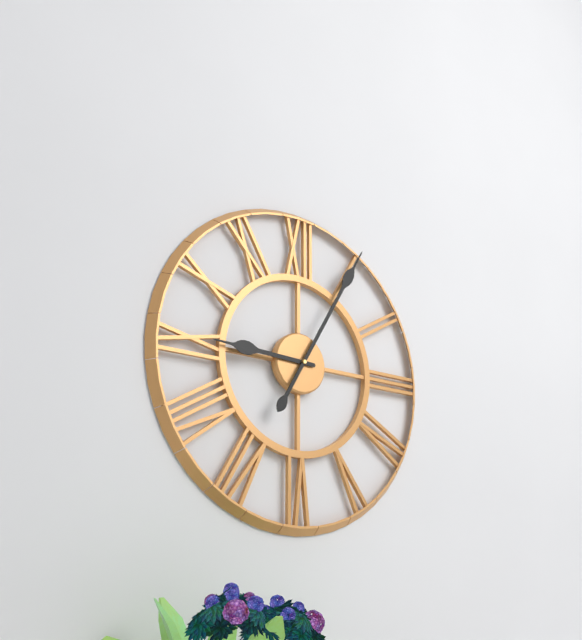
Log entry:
h=9 m=5
